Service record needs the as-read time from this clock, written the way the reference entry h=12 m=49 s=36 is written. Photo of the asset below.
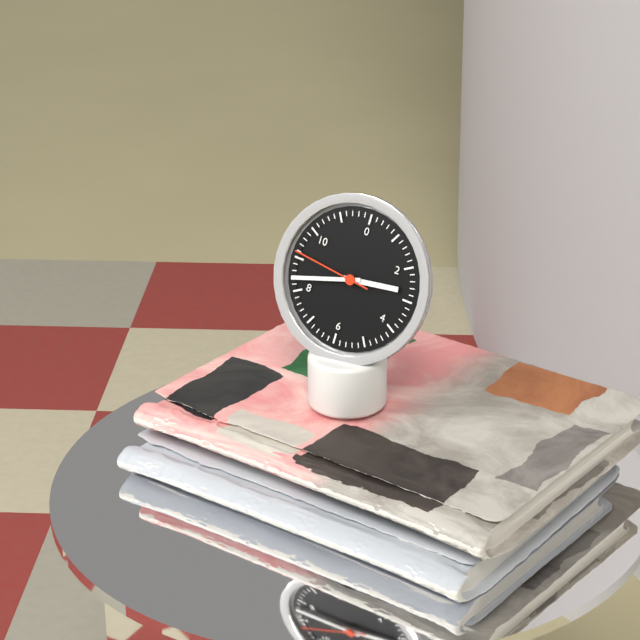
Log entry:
h=2 m=42 s=46
